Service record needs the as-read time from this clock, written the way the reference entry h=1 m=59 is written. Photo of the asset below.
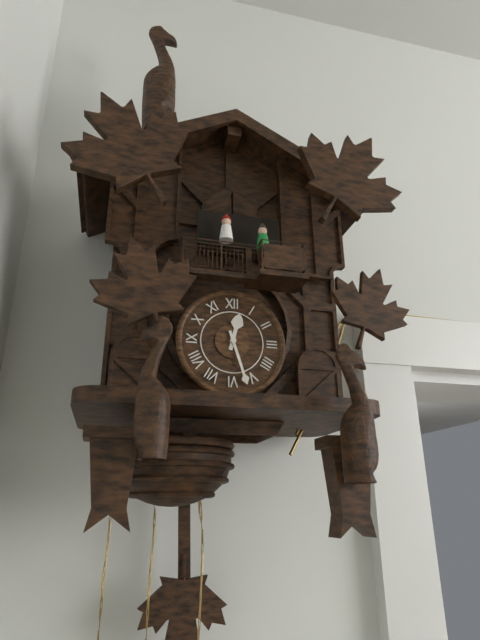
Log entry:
h=12 m=27
